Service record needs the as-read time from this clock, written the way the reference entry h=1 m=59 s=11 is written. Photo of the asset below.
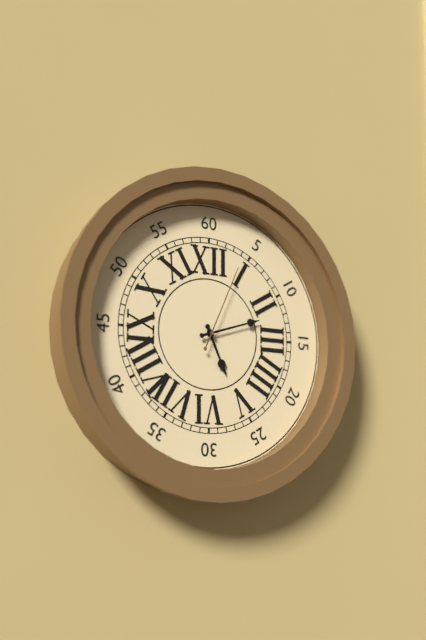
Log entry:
h=5 m=12 s=4
